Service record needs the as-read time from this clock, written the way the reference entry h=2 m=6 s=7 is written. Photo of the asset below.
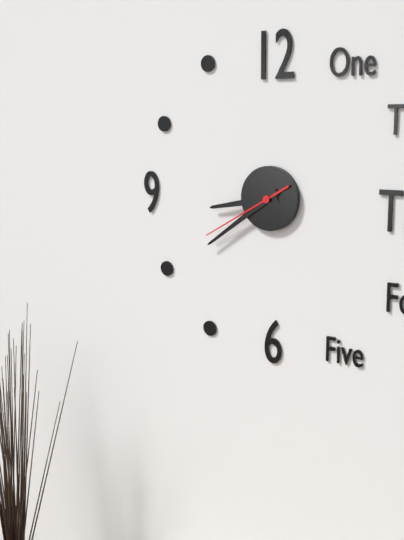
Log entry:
h=8 m=39 s=40
